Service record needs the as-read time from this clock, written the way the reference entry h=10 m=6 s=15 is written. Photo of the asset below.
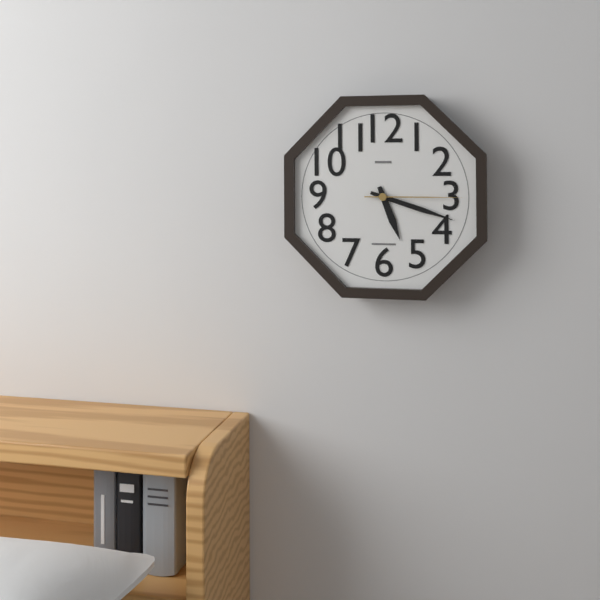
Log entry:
h=5 m=18 s=15
